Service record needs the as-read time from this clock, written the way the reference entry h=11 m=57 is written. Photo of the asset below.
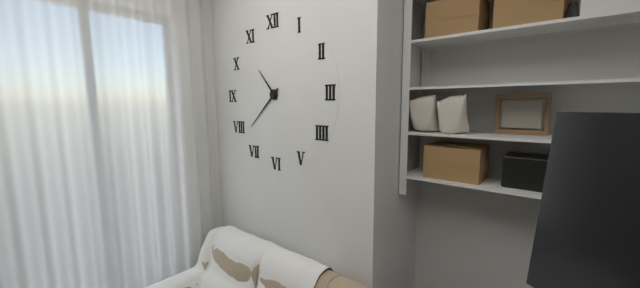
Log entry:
h=10 m=38
